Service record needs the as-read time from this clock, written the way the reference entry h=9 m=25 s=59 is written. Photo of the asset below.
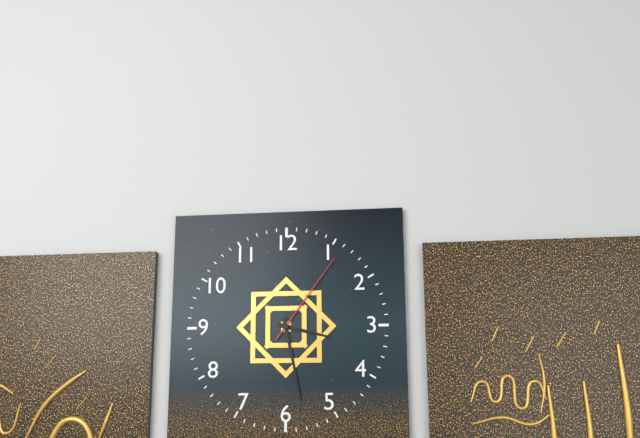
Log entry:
h=3 m=28 s=6
